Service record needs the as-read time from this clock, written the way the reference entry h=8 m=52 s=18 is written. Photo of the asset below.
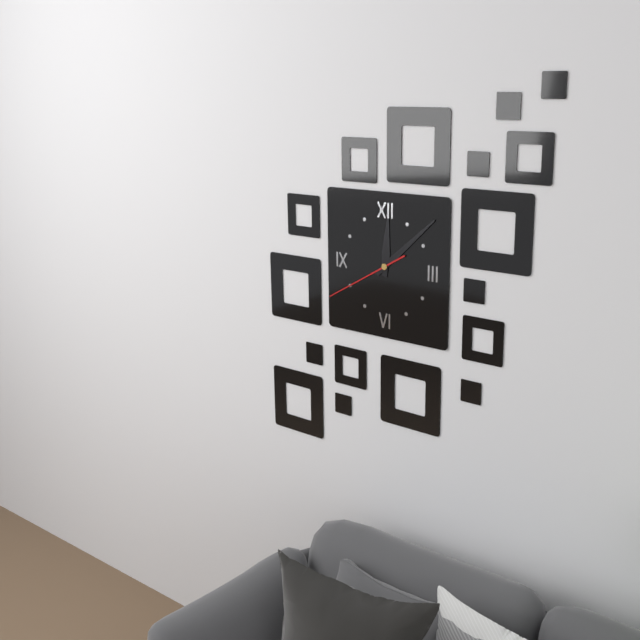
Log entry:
h=12 m=8 s=40
